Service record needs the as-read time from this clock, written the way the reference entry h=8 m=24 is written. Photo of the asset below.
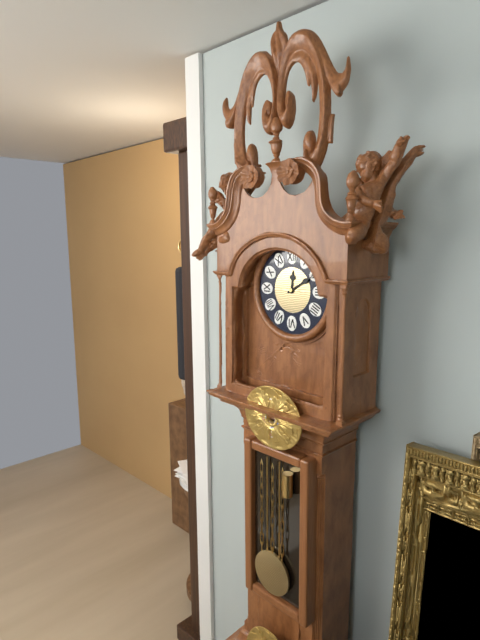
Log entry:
h=12 m=10
